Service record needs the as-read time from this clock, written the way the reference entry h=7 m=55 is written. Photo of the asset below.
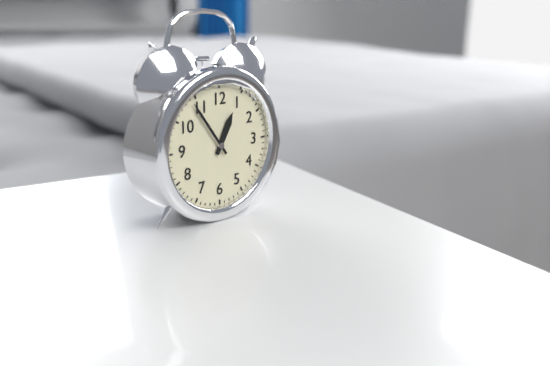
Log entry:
h=12 m=54
